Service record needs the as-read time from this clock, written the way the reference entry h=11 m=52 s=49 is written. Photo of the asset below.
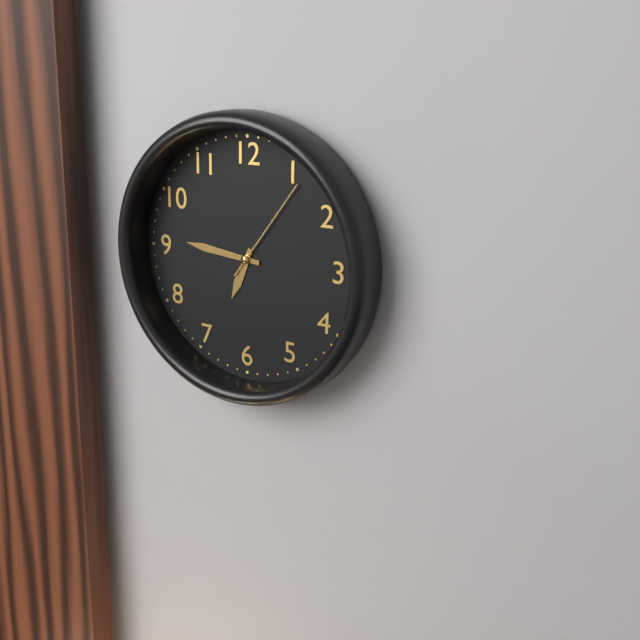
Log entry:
h=6 m=46 s=6
